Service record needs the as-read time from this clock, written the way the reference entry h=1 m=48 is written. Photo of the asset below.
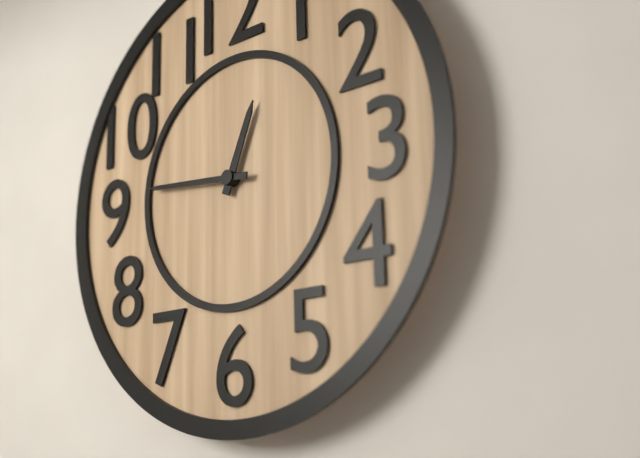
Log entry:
h=12 m=46
